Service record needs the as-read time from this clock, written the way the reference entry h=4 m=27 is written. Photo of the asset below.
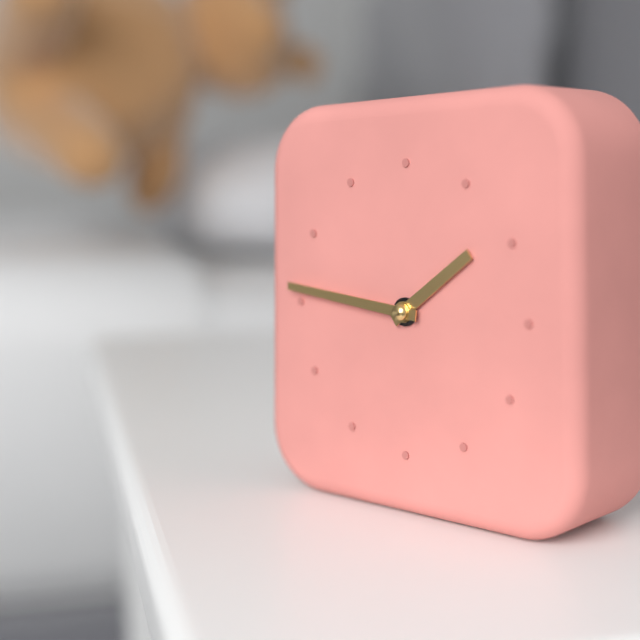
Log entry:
h=1 m=46
